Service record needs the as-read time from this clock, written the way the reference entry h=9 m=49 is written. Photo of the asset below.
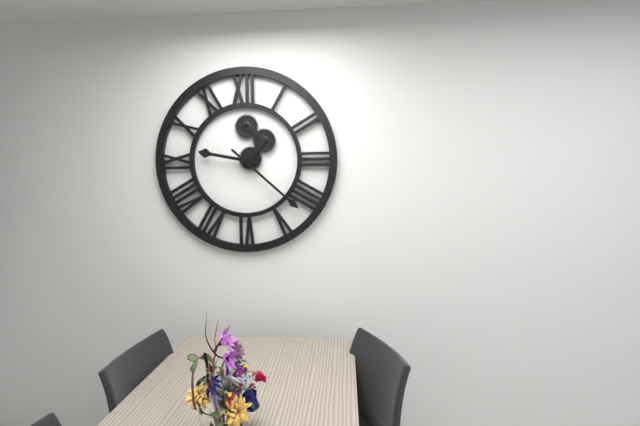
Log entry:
h=9 m=22
